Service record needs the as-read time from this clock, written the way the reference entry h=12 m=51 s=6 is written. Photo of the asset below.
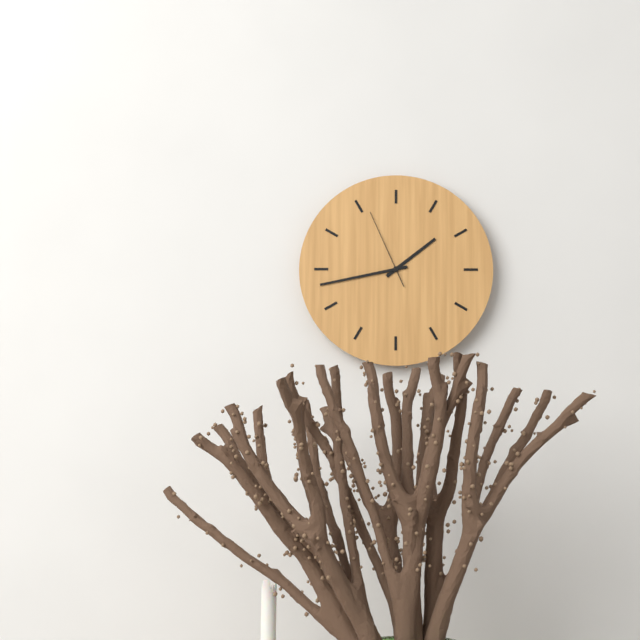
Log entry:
h=1 m=43 s=56
